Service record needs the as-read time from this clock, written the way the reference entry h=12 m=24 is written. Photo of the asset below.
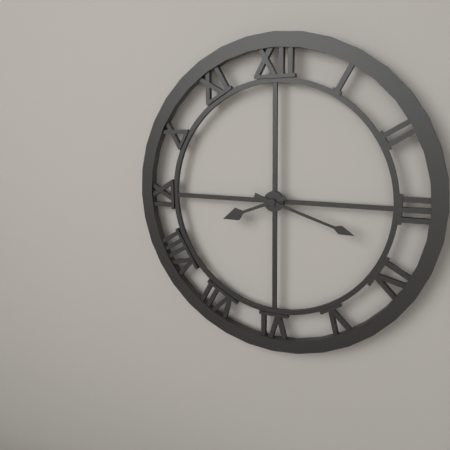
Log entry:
h=8 m=18
